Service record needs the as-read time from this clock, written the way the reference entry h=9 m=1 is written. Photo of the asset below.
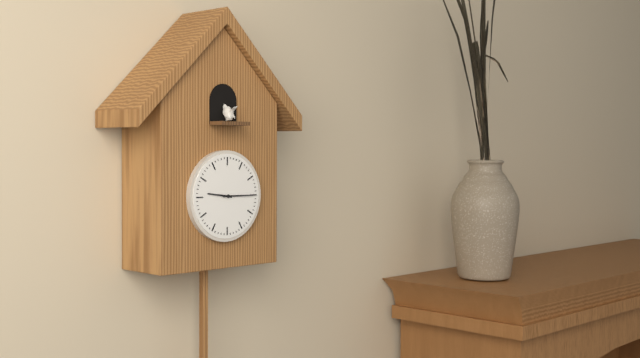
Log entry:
h=9 m=15
